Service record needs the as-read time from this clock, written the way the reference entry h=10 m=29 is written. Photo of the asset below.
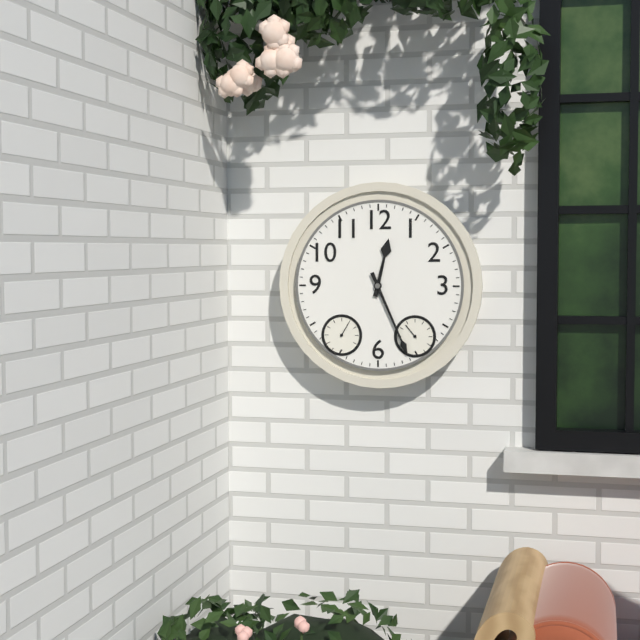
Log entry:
h=12 m=26
